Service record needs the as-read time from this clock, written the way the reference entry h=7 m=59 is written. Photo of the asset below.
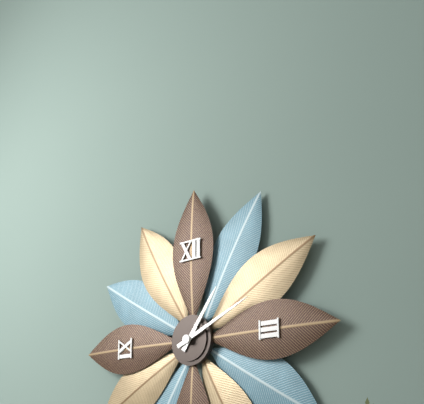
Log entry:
h=1 m=11
